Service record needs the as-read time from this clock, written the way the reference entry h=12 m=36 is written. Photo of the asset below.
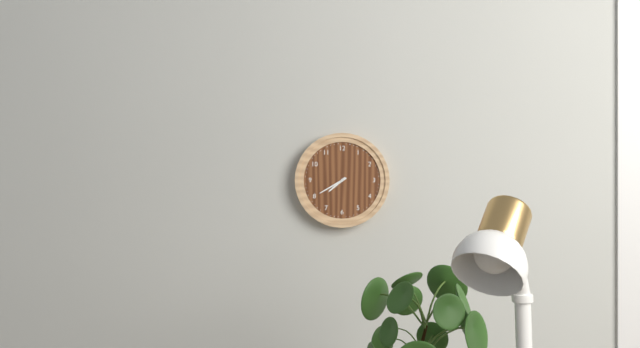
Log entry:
h=7 m=40
